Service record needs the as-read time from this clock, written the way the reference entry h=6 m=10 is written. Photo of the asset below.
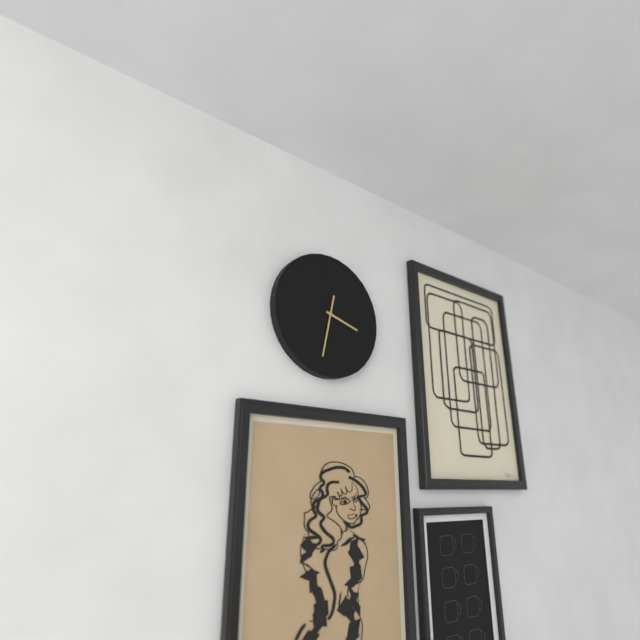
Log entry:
h=3 m=32
